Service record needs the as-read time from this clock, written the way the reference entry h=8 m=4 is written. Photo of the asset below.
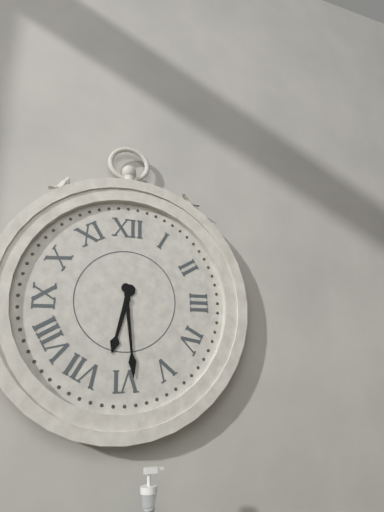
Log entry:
h=6 m=29
